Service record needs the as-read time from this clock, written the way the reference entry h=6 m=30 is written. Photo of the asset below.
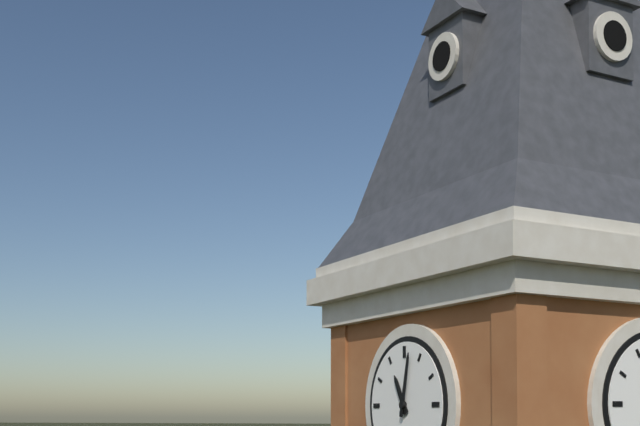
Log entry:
h=11 m=2
